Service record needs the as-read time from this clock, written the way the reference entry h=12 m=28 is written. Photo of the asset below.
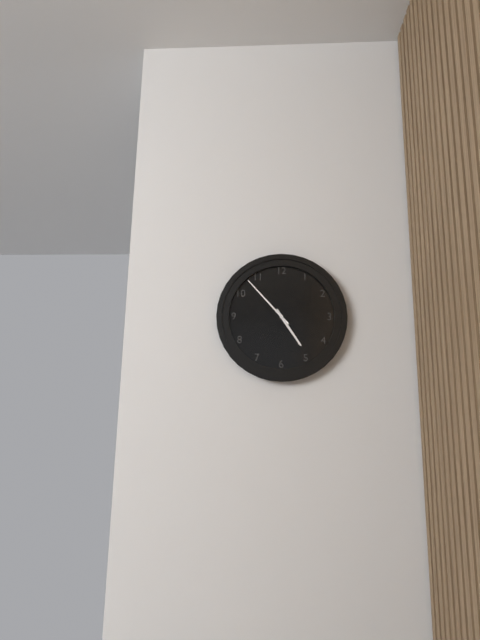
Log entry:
h=4 m=53
